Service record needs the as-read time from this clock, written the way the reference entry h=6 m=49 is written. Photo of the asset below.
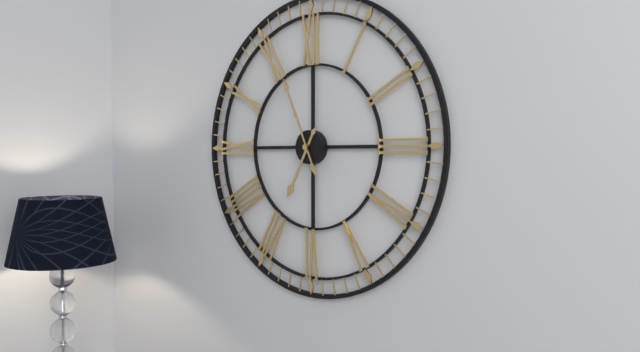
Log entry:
h=6 m=56
